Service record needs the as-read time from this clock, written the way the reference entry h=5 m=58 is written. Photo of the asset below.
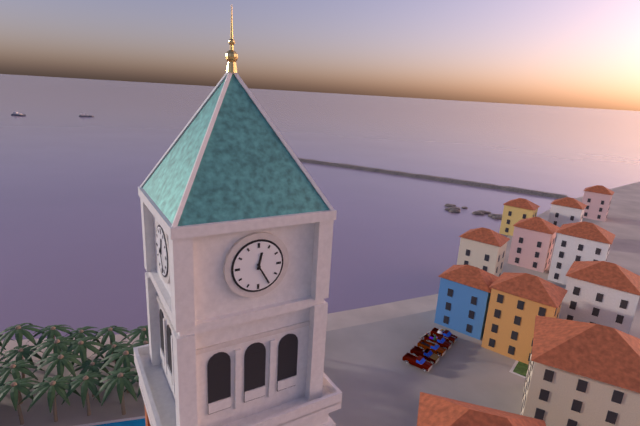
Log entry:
h=12 m=25
